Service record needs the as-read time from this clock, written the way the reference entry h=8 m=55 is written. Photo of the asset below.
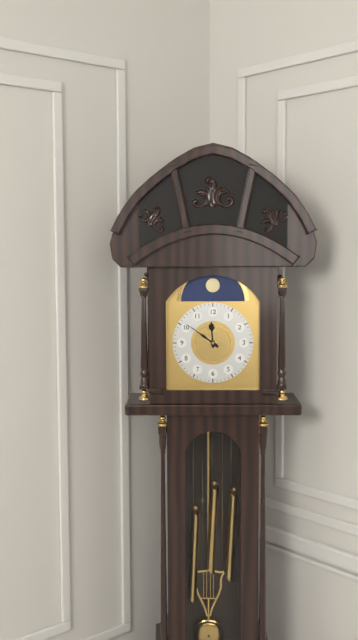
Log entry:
h=11 m=51
